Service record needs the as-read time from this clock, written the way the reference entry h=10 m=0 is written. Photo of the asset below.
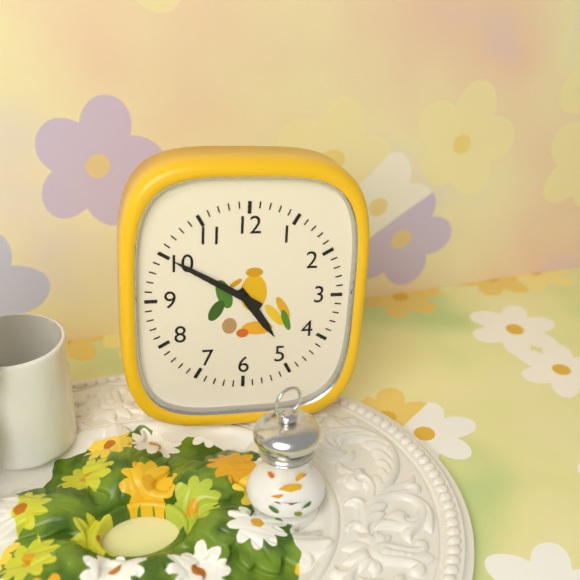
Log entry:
h=4 m=50
